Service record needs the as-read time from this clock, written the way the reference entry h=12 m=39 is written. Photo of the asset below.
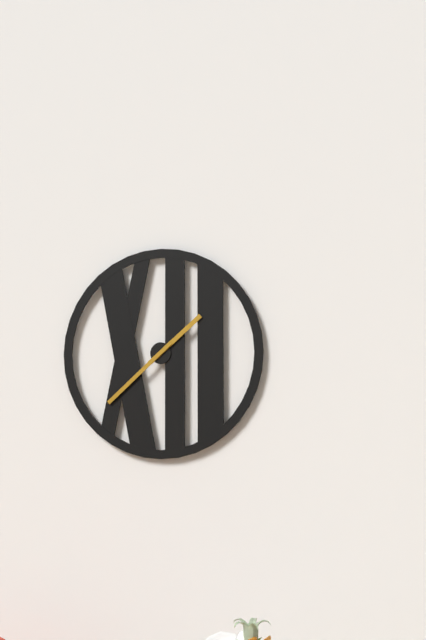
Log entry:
h=1 m=38
